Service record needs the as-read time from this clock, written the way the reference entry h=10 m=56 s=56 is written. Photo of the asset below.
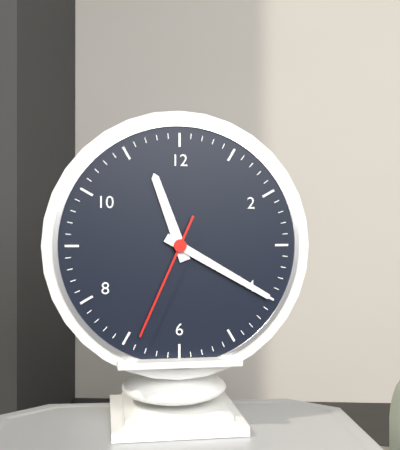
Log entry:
h=11 m=20 s=34
